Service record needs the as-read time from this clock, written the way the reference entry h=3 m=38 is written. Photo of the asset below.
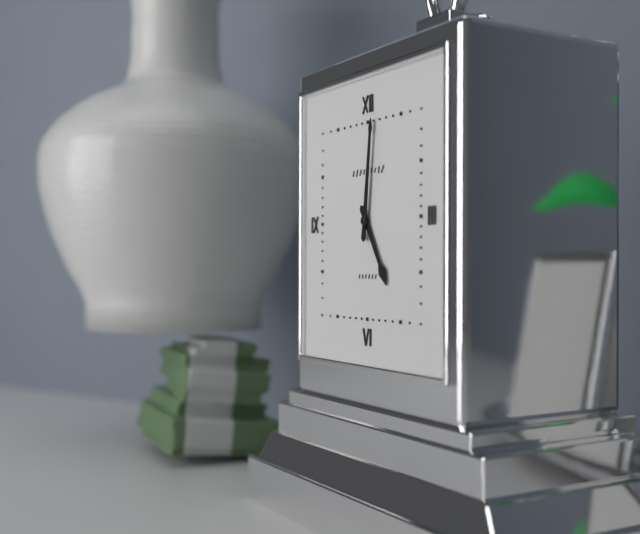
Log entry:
h=5 m=1
